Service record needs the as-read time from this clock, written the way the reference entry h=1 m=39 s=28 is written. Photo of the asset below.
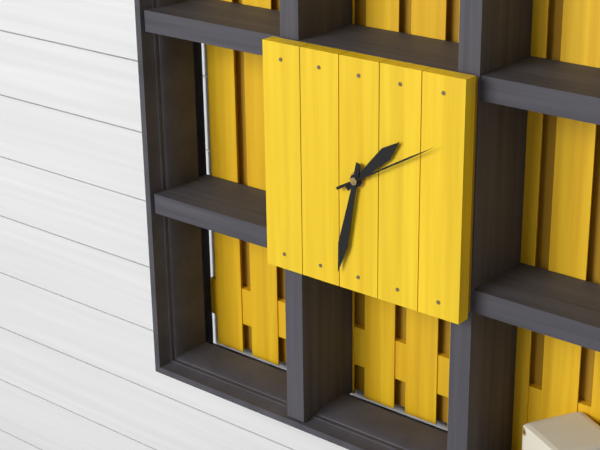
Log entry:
h=1 m=32 s=10
